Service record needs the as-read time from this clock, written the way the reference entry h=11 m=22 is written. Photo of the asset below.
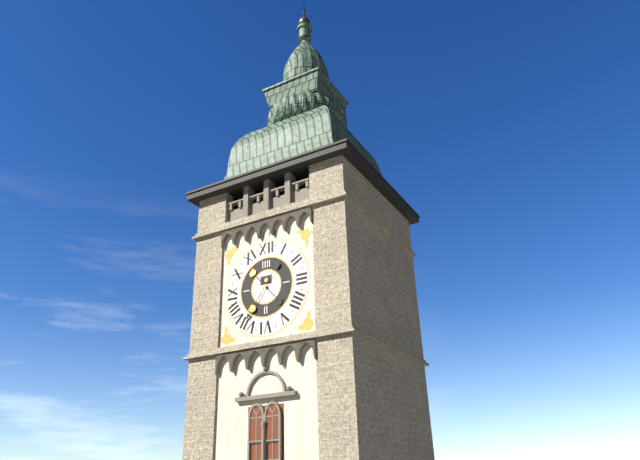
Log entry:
h=10 m=36
